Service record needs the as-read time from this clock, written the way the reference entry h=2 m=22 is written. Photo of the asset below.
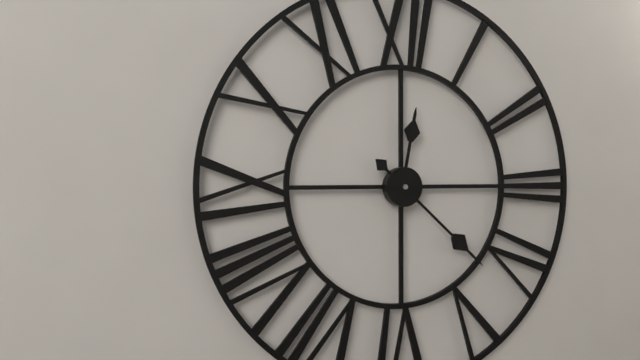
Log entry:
h=12 m=22
